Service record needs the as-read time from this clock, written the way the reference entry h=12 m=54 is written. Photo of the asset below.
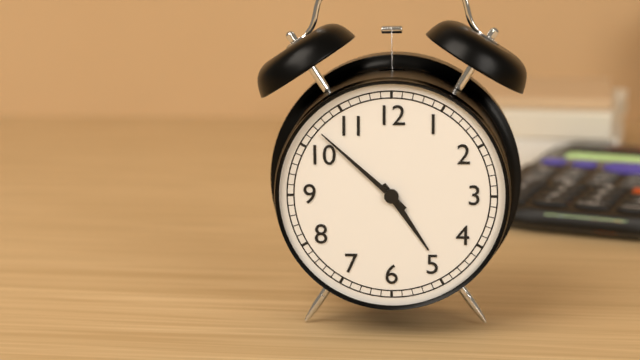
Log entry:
h=4 m=52
